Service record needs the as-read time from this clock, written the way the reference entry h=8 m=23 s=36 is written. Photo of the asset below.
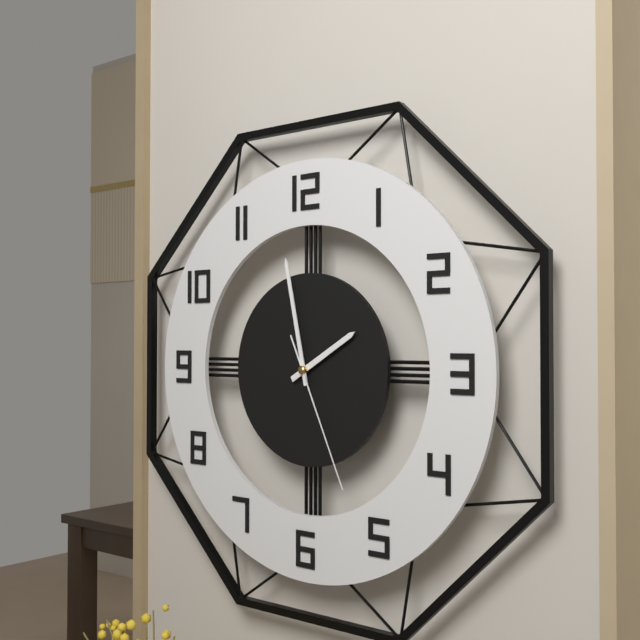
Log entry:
h=1 m=58 s=26
